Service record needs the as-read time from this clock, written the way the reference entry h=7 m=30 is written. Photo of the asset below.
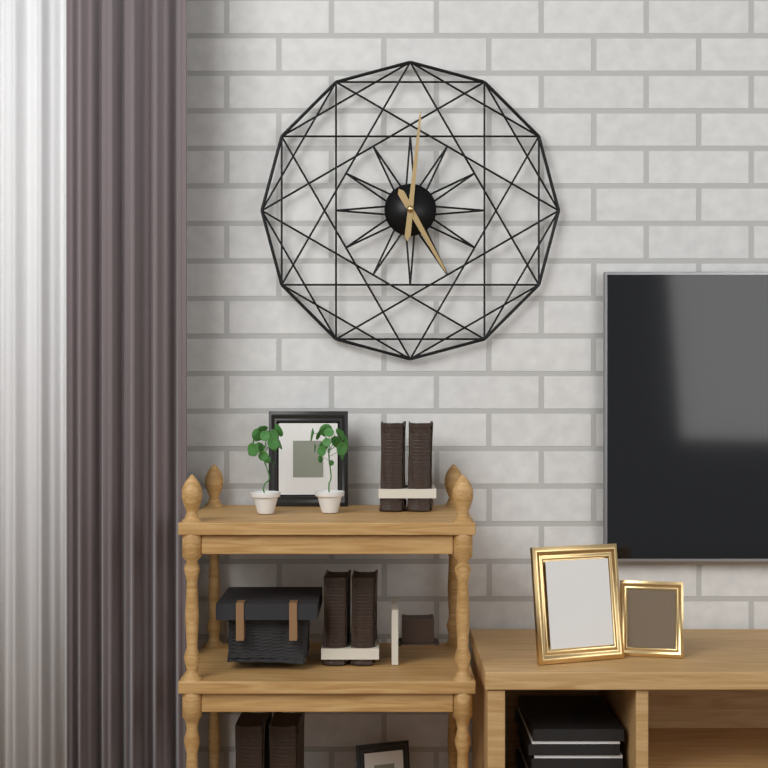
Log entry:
h=5 m=1
